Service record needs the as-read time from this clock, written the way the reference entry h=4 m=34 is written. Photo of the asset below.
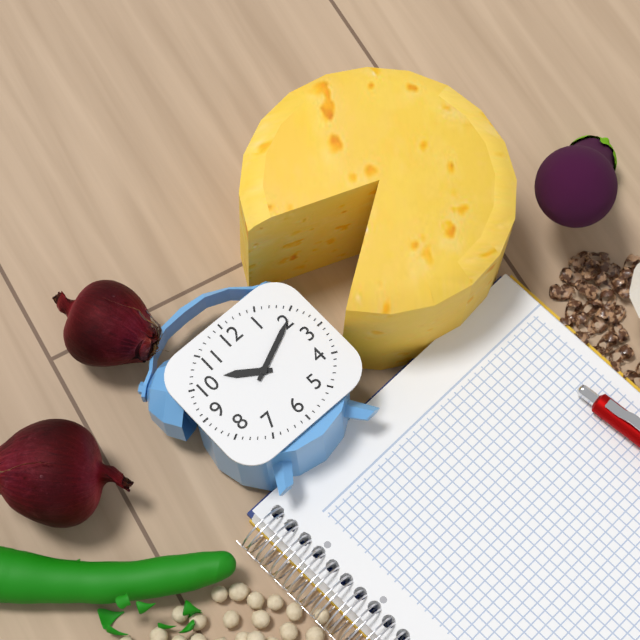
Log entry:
h=10 m=11
